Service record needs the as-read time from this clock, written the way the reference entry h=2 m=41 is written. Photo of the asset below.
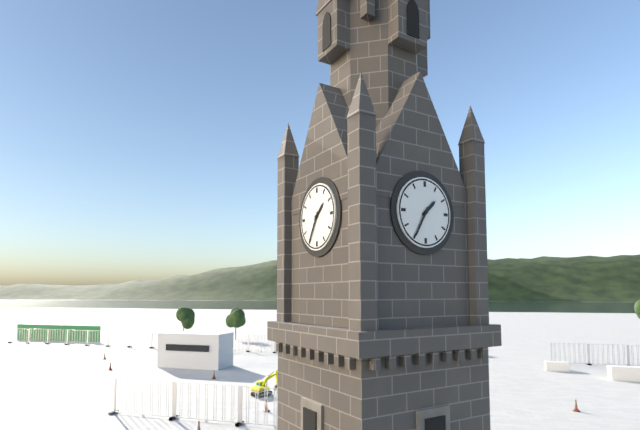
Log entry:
h=1 m=35
